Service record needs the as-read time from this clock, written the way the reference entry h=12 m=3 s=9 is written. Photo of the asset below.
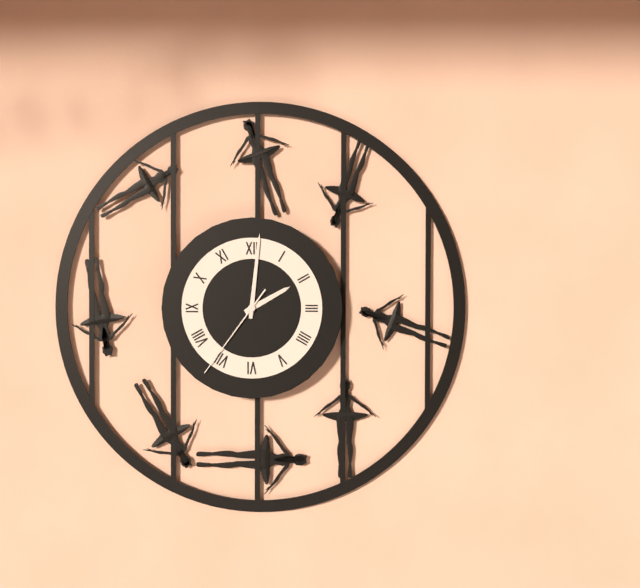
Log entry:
h=2 m=1 s=36
